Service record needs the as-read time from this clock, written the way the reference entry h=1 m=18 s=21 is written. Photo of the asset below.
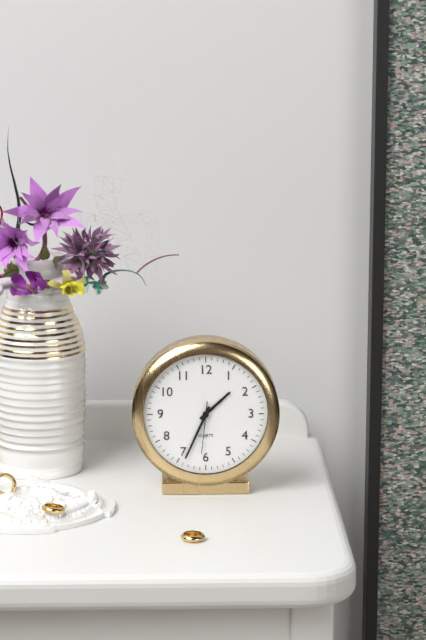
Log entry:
h=1 m=34 s=31
